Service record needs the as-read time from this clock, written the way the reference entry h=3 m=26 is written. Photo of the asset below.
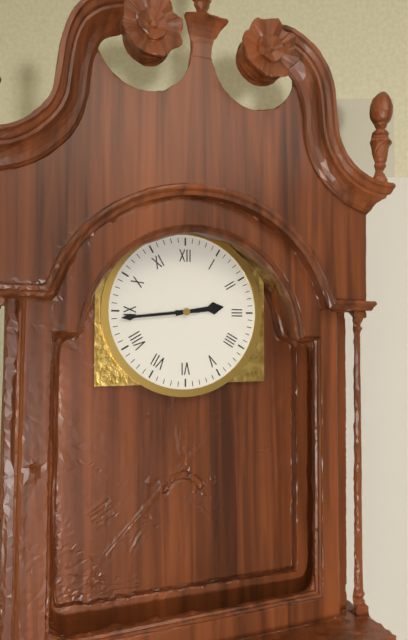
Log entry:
h=2 m=44
